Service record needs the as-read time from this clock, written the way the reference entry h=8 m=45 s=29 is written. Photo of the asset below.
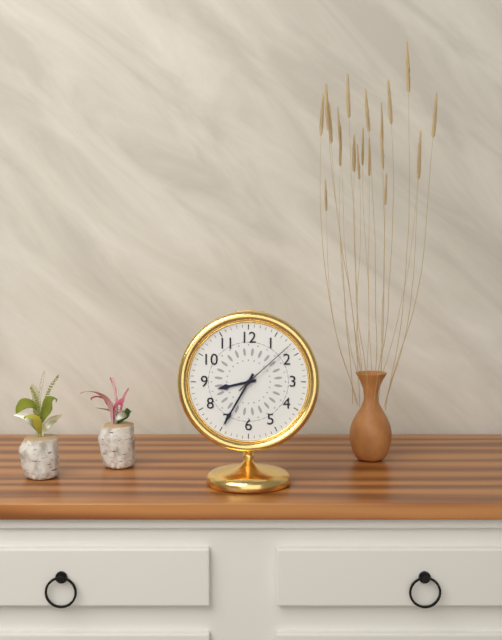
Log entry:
h=8 m=35 s=8
